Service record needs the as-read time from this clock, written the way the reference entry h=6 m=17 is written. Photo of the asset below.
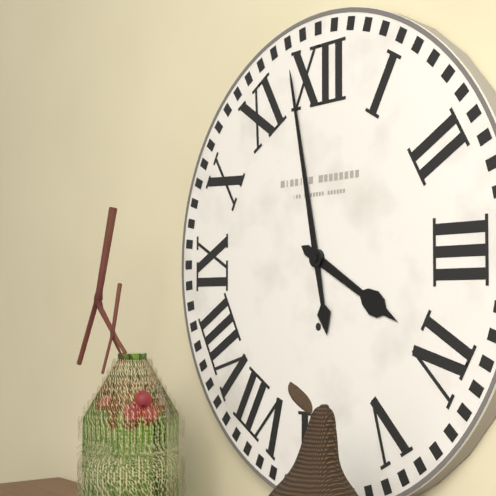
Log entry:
h=3 m=58
